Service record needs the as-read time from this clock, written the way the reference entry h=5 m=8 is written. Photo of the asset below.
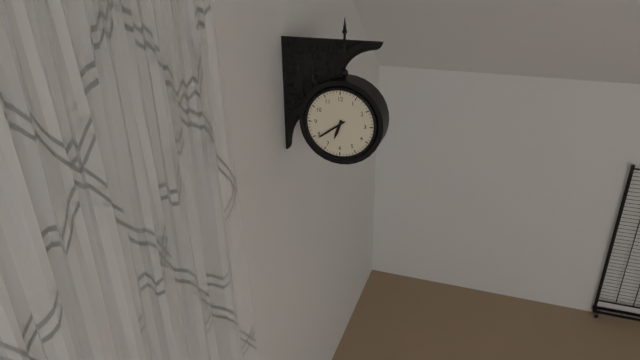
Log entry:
h=6 m=39
